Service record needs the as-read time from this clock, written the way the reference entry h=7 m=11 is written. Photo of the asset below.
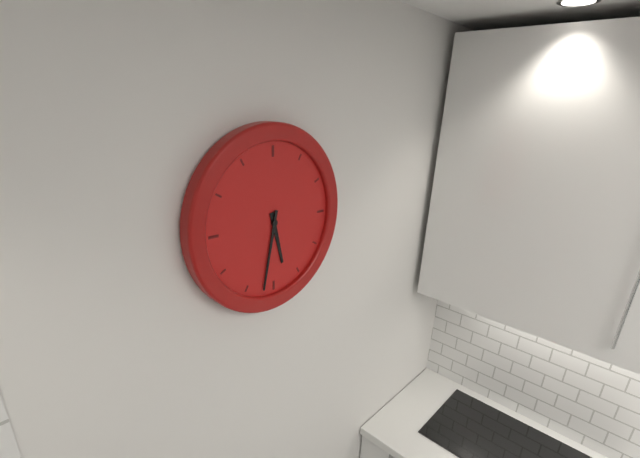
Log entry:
h=5 m=32
